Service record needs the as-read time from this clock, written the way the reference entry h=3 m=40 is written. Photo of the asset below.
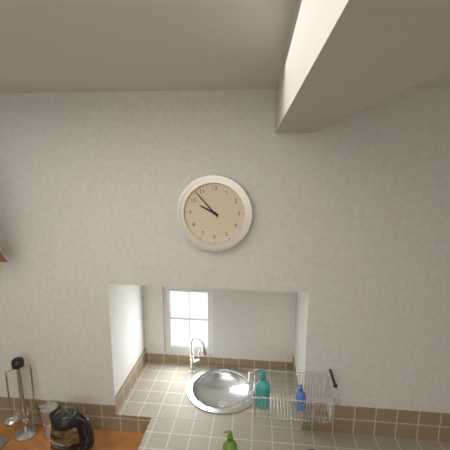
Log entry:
h=9 m=53
